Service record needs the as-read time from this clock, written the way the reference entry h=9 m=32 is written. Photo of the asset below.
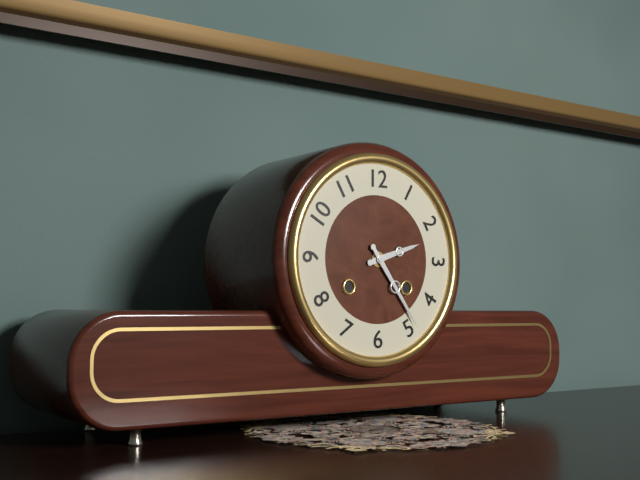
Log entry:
h=2 m=24
